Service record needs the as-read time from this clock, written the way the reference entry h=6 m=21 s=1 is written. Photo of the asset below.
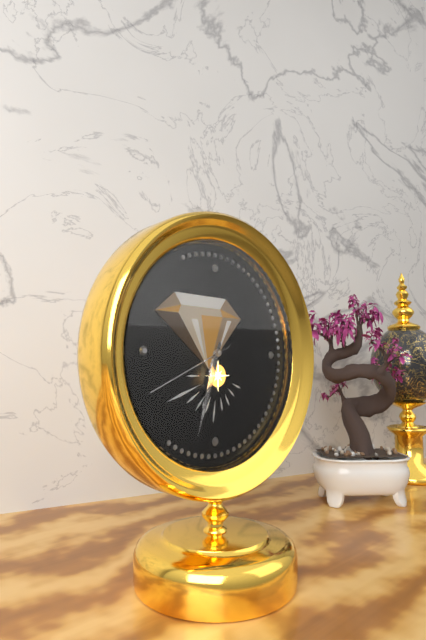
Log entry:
h=6 m=33 s=41
